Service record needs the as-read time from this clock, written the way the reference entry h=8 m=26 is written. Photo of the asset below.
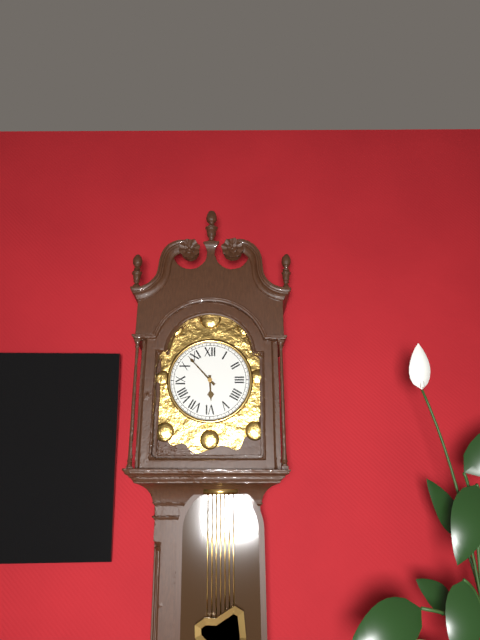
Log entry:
h=5 m=53
